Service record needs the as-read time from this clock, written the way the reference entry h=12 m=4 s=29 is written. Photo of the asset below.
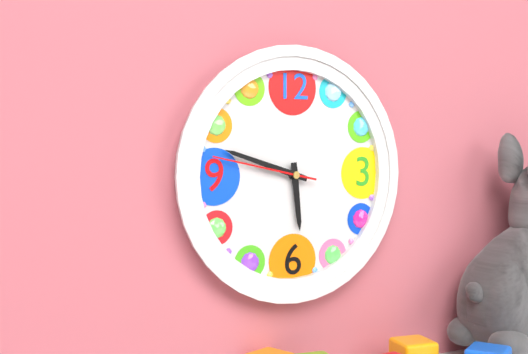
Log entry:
h=5 m=48 s=47
